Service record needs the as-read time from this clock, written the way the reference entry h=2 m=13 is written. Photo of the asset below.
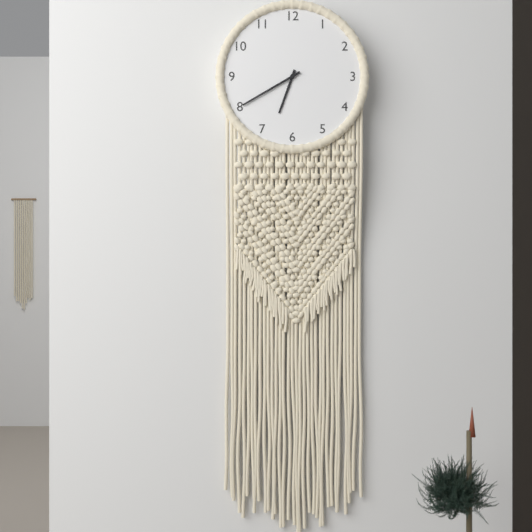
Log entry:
h=6 m=40
